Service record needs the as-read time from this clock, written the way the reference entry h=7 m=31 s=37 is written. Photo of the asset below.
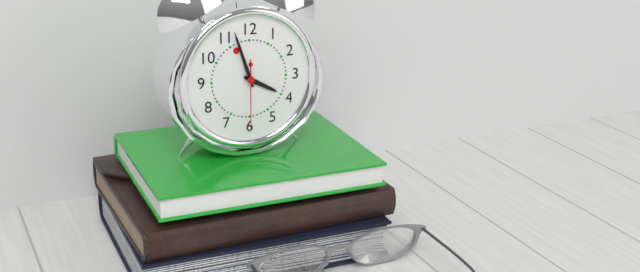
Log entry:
h=3 m=57 s=30
